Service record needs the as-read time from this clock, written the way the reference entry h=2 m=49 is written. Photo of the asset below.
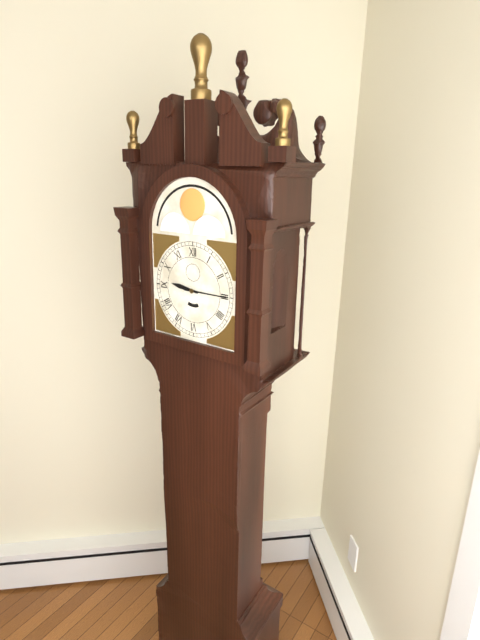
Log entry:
h=9 m=15
